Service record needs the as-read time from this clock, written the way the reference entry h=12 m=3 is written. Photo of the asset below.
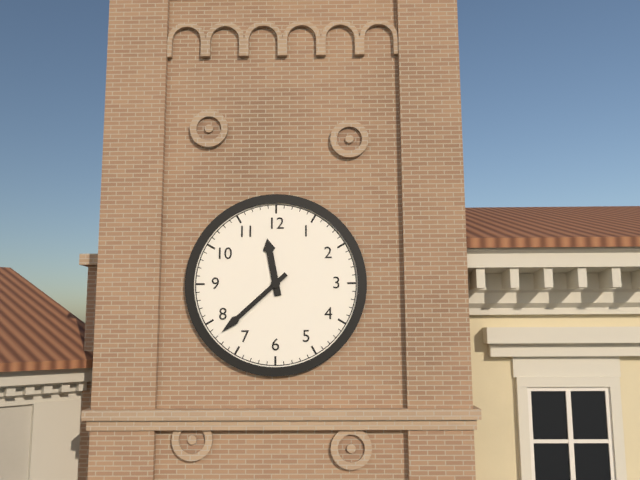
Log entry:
h=11 m=38
